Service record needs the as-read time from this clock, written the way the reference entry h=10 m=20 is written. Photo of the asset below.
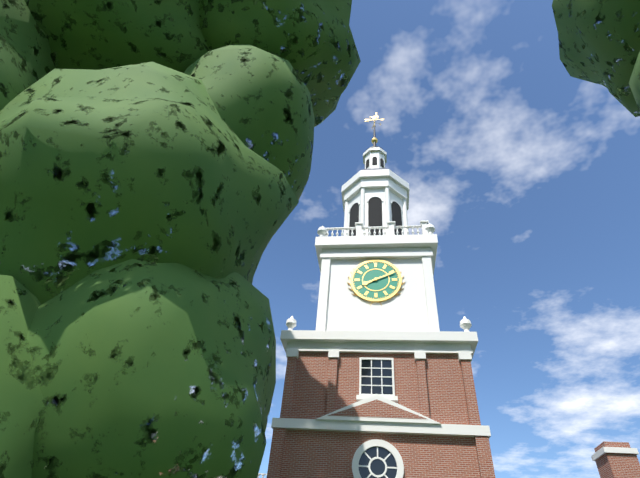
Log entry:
h=8 m=11
